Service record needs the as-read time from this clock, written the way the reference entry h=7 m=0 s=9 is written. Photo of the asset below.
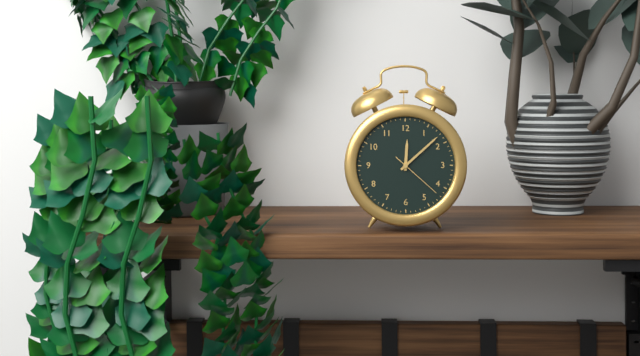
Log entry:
h=12 m=8 s=22
